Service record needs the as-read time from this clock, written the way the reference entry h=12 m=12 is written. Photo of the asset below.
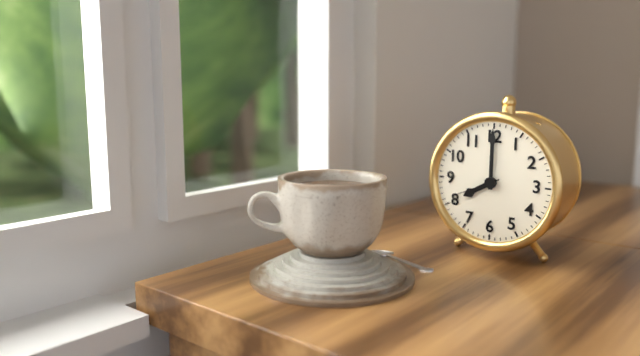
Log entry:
h=8 m=0
